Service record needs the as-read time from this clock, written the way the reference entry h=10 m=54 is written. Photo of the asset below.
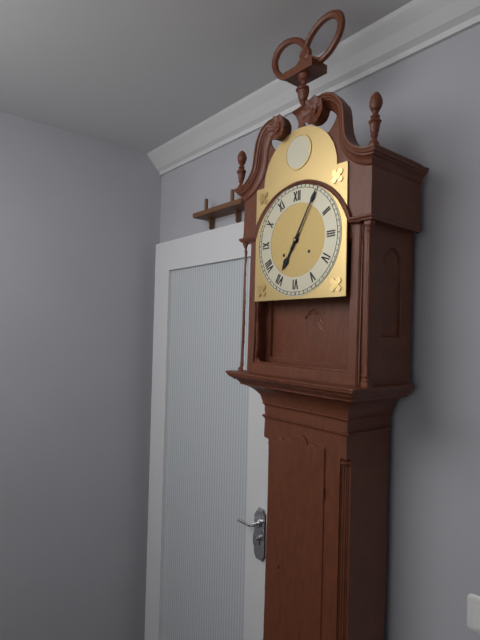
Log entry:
h=7 m=5
